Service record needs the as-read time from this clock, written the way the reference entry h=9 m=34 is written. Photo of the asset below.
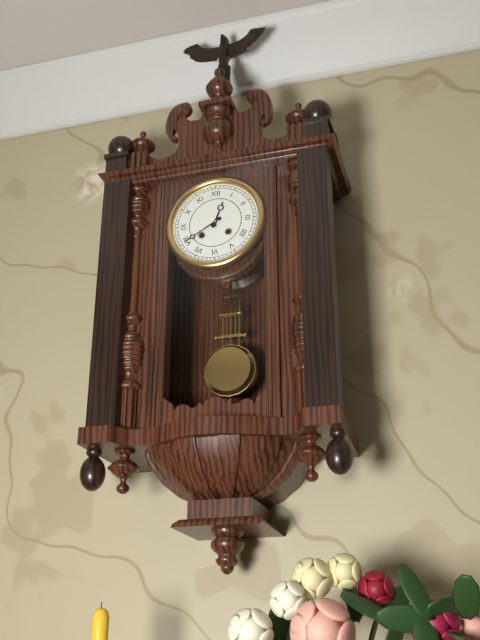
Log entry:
h=12 m=40
